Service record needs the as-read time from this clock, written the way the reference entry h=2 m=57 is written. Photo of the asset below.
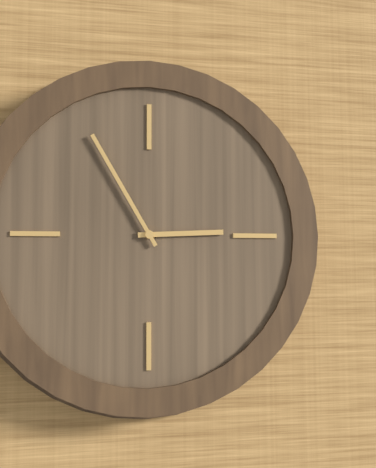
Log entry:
h=2 m=55
